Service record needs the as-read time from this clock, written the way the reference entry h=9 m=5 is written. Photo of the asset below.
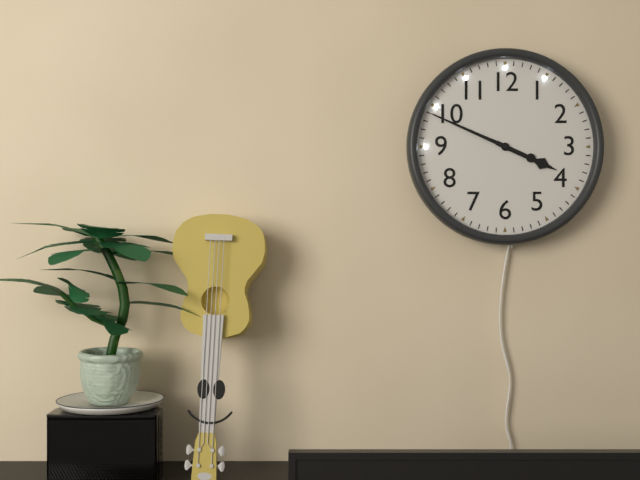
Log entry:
h=3 m=49
